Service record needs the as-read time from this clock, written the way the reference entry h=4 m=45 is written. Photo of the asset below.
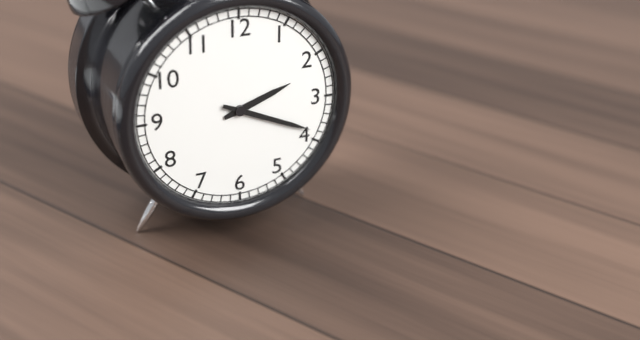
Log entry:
h=2 m=19
